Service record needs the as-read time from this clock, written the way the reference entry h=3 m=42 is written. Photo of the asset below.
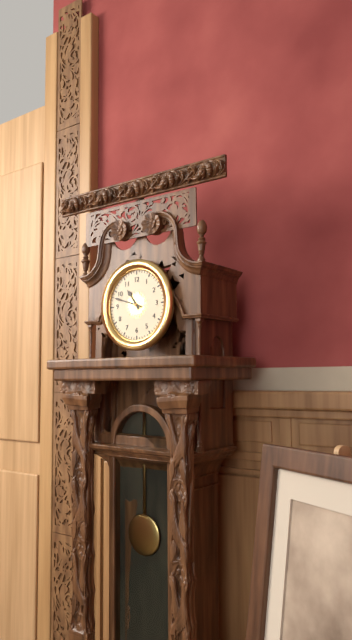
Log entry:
h=10 m=48
